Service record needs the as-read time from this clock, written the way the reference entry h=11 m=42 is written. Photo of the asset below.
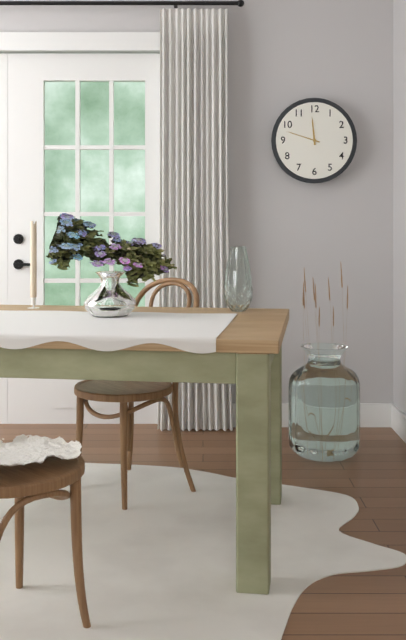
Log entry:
h=11 m=48
